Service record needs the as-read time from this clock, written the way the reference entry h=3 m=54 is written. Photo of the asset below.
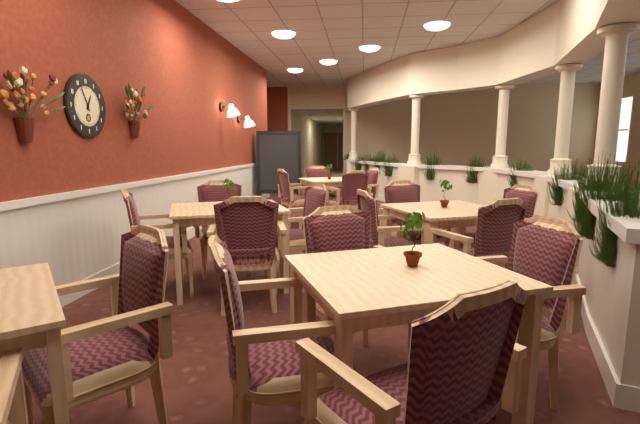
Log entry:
h=12 m=56
